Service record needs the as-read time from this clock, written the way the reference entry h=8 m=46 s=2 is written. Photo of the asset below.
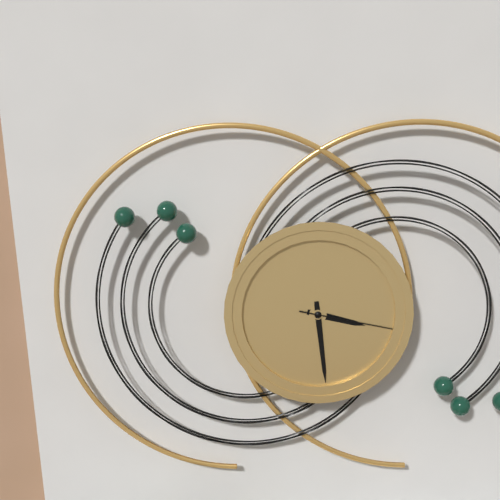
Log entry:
h=3 m=29 s=17
